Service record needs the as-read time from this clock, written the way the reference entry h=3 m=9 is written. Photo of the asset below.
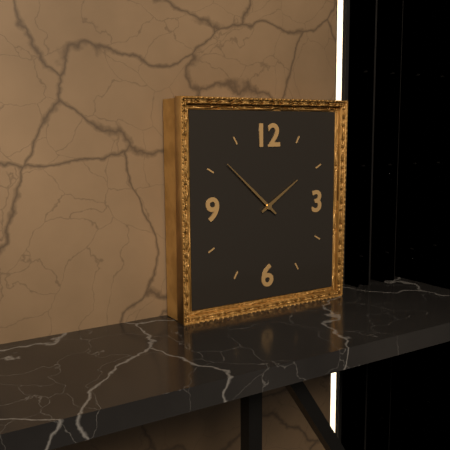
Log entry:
h=1 m=52
